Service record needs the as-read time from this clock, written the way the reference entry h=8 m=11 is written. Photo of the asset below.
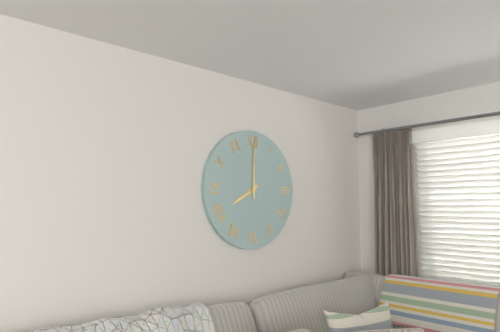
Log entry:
h=8 m=0
